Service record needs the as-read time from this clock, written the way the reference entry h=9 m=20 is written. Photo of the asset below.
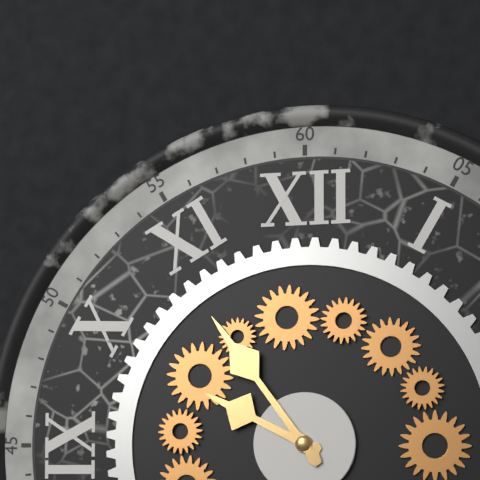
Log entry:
h=9 m=54
